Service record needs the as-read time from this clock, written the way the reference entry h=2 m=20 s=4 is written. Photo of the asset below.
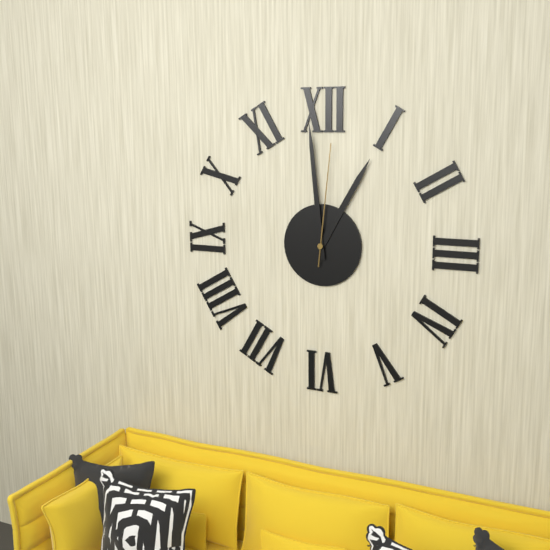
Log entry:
h=12 m=59 s=1
